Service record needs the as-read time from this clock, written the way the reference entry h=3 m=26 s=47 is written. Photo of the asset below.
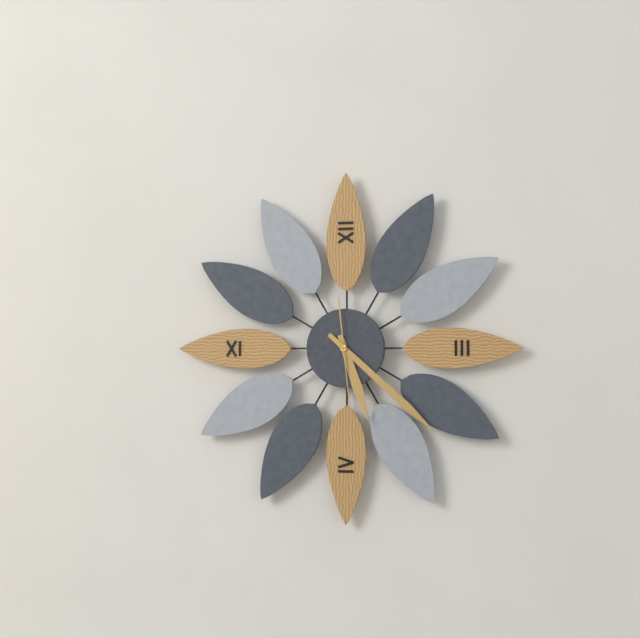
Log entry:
h=5 m=22 s=29
